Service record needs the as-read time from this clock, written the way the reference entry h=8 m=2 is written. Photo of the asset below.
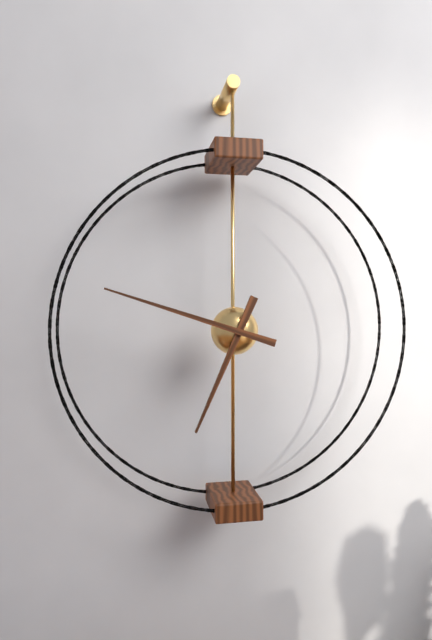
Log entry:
h=6 m=48
